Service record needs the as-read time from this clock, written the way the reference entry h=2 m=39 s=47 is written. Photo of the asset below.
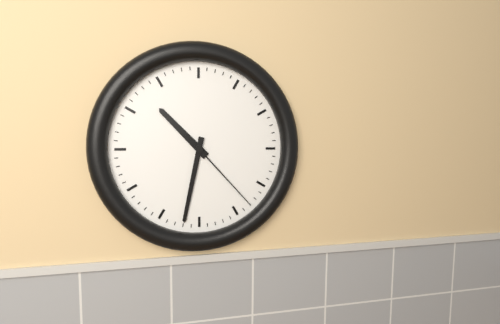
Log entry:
h=10 m=32 s=23
